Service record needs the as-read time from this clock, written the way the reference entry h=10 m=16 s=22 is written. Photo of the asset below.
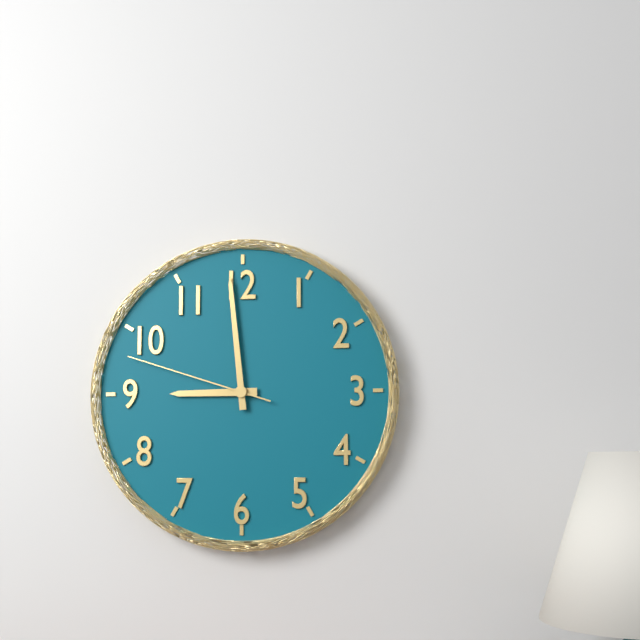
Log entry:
h=8 m=59 s=48
